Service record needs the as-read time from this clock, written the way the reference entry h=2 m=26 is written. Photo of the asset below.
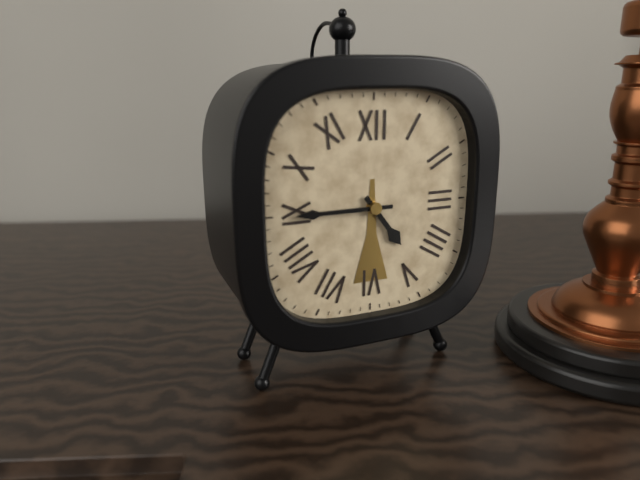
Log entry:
h=4 m=45
